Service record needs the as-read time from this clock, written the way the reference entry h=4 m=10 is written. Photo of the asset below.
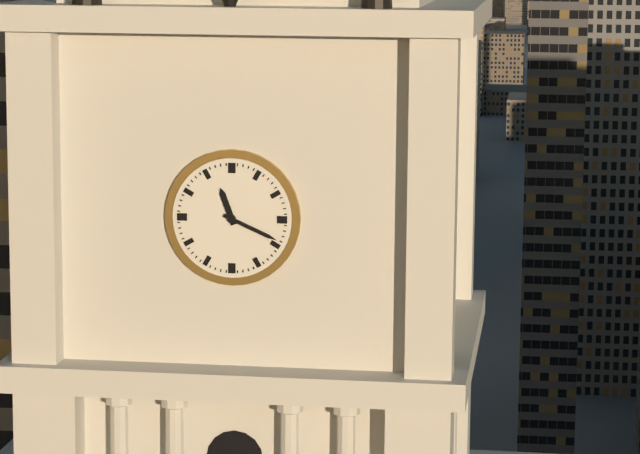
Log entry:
h=11 m=19
